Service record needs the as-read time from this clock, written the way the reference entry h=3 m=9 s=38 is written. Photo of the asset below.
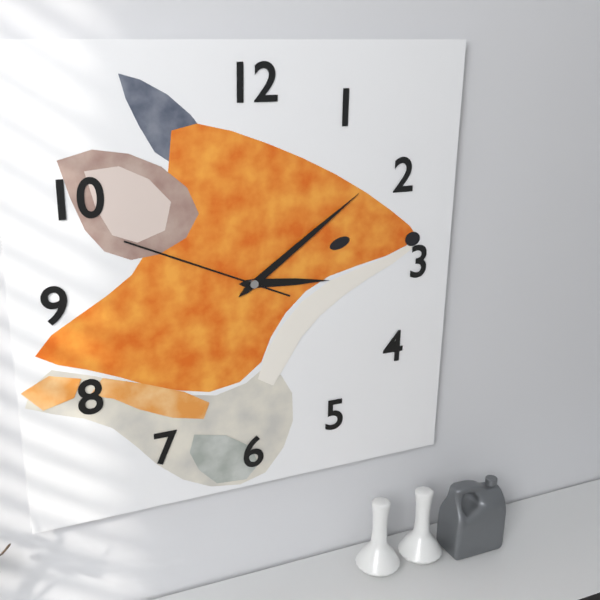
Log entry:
h=3 m=9 s=49
